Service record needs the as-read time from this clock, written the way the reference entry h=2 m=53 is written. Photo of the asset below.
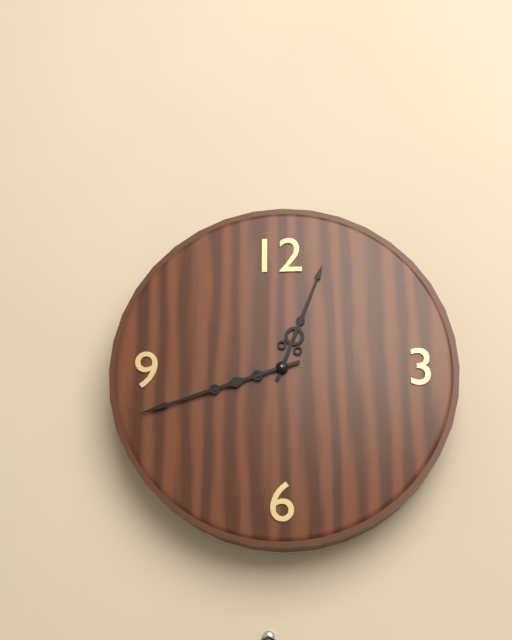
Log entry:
h=12 m=42
